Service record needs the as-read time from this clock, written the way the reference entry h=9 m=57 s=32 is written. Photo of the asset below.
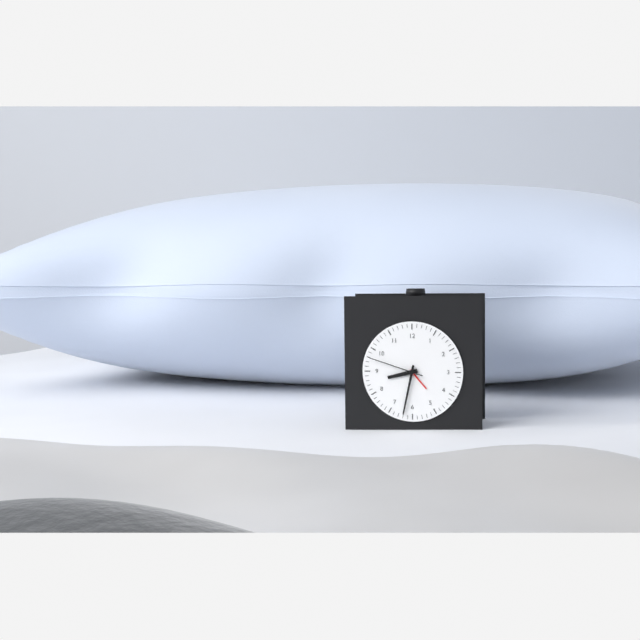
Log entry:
h=8 m=32 s=48
